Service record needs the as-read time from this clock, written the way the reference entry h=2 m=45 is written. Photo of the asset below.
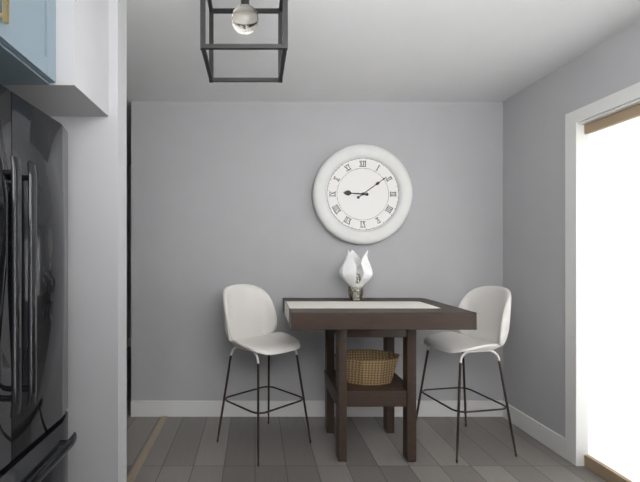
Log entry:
h=9 m=9
